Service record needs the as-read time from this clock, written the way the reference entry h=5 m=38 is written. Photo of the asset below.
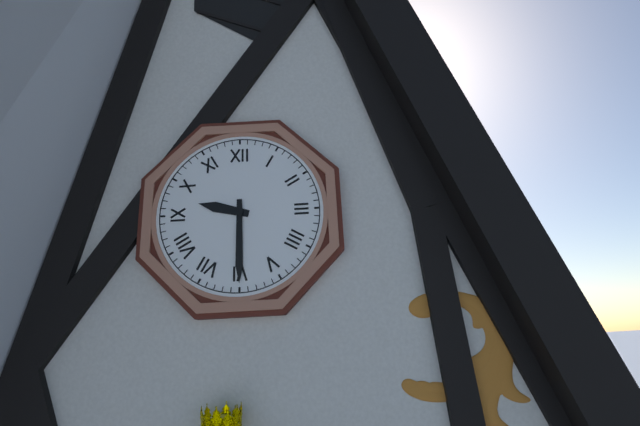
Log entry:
h=9 m=30
